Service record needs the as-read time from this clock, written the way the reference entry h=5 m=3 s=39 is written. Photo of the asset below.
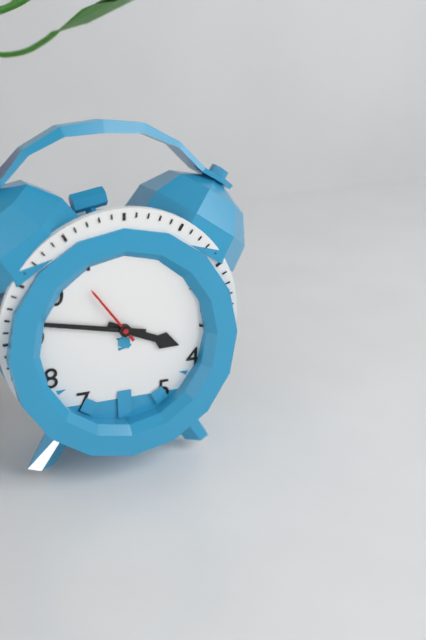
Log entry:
h=3 m=47 s=54
